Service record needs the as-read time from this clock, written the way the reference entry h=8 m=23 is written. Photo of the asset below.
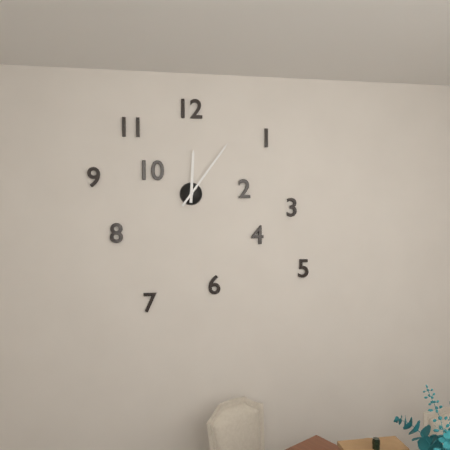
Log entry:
h=12 m=6
